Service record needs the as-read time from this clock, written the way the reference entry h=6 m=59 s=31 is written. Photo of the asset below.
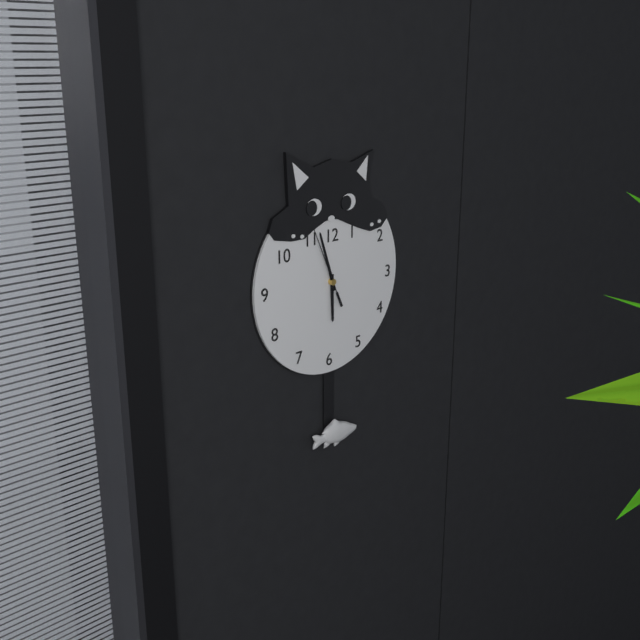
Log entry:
h=5 m=57 s=56
